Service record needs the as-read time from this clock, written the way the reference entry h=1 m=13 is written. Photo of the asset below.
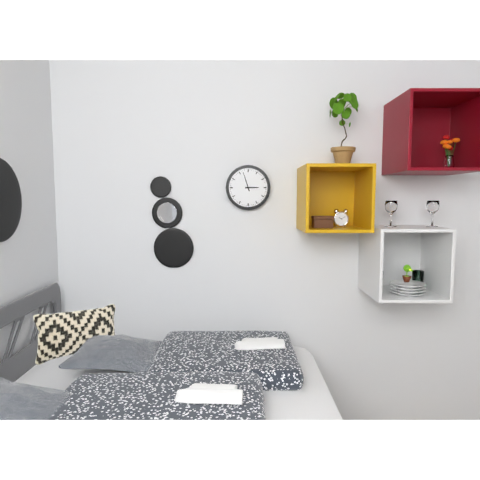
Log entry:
h=2 m=57
